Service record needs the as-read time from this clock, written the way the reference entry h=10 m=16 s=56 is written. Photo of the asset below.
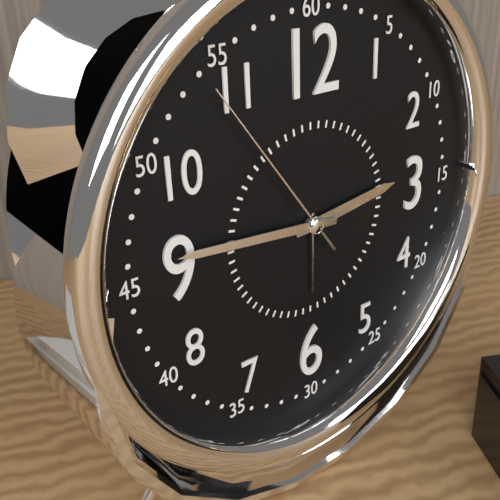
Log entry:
h=2 m=46 s=54
